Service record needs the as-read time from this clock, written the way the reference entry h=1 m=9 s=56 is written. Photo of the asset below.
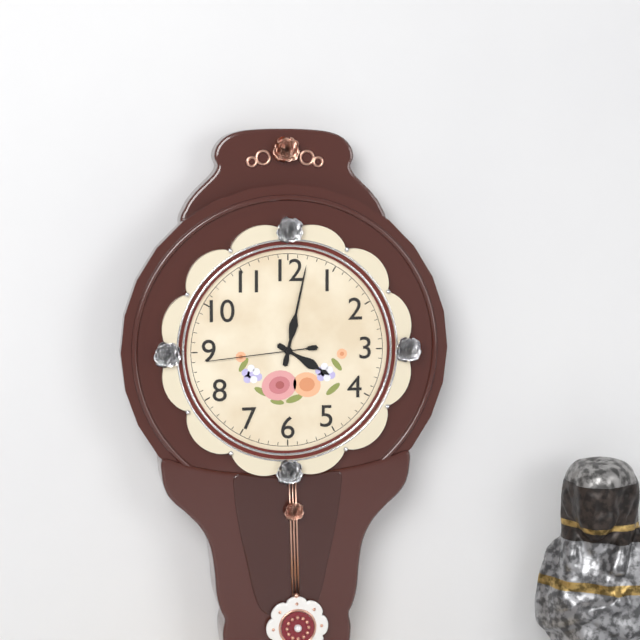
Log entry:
h=4 m=2 s=44
